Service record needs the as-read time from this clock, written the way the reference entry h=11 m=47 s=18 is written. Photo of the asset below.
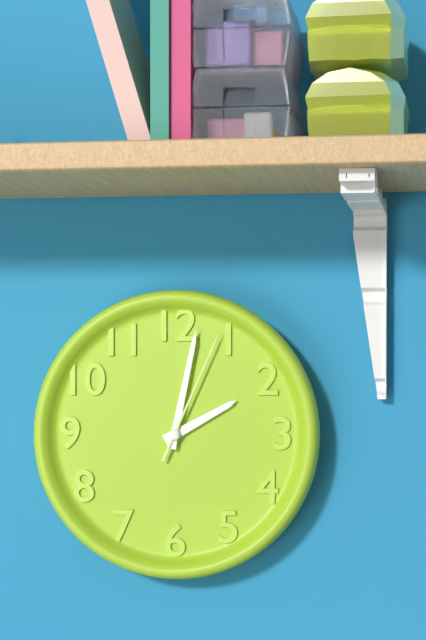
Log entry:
h=2 m=2 s=4
